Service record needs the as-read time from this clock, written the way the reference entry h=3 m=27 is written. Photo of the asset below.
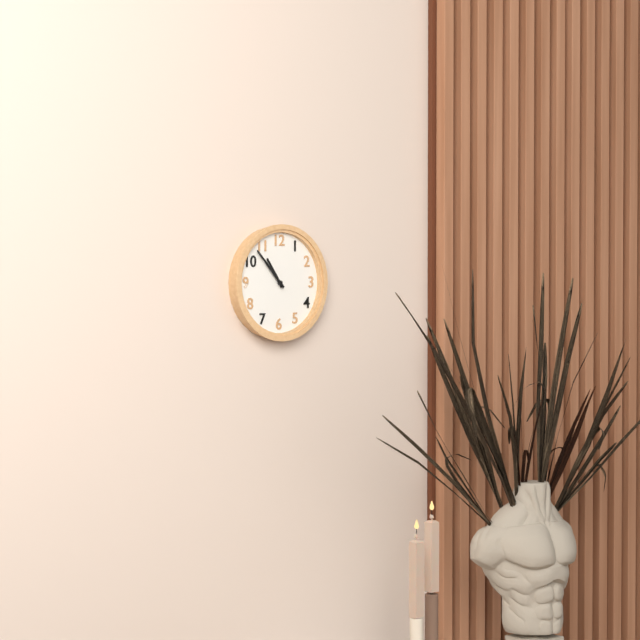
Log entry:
h=10 m=53
